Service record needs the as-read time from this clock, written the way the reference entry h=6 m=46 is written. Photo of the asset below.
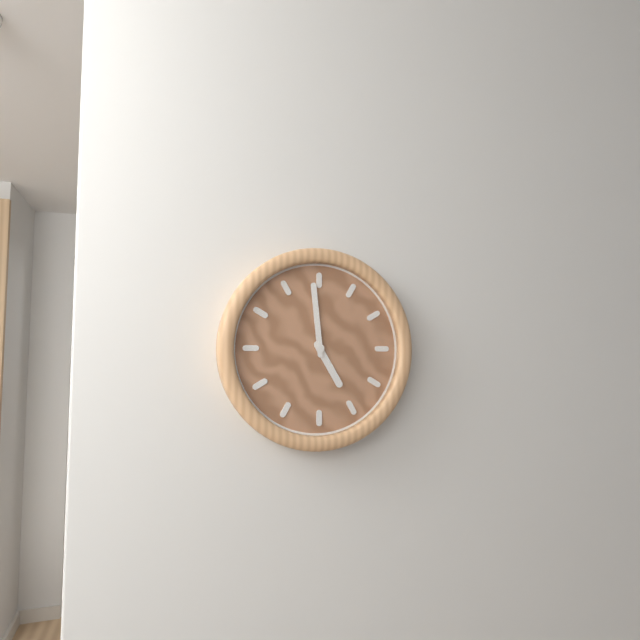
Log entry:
h=4 m=59
